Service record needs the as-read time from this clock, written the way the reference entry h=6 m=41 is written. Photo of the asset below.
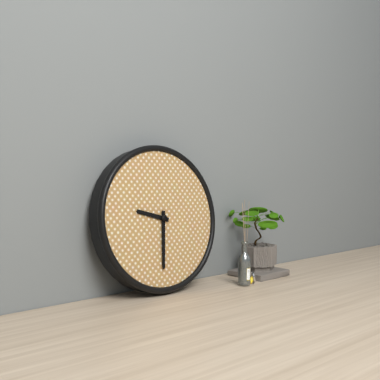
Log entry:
h=9 m=31
